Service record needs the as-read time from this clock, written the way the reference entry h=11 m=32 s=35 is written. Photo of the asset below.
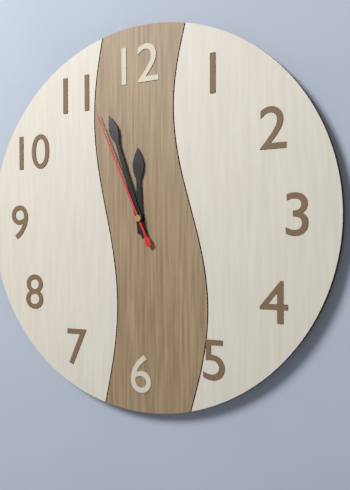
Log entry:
h=11 m=57 s=56
